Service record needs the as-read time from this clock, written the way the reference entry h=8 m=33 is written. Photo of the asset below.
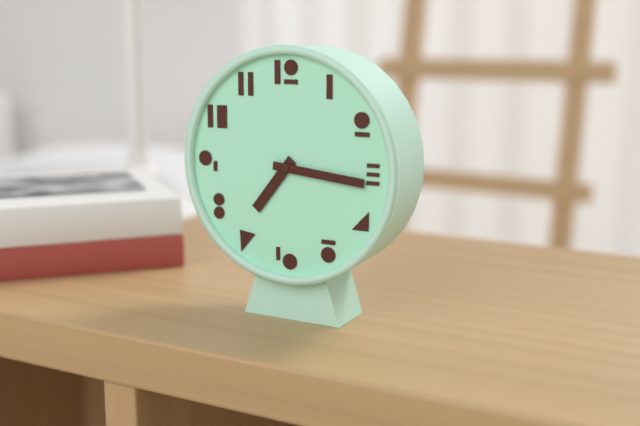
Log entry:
h=7 m=16
